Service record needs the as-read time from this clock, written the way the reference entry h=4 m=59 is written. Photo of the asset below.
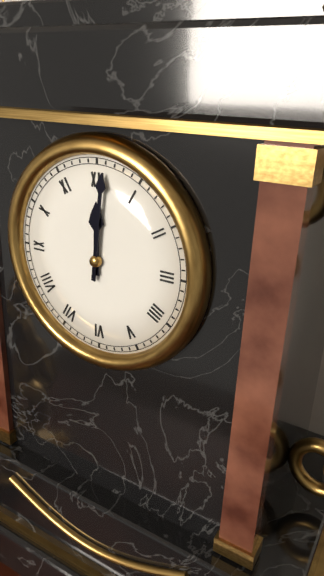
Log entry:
h=12 m=1
